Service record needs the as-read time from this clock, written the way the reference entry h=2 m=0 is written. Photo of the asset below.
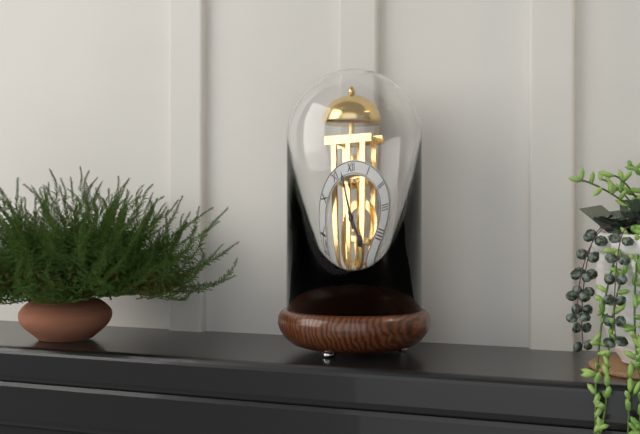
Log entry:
h=4 m=57
